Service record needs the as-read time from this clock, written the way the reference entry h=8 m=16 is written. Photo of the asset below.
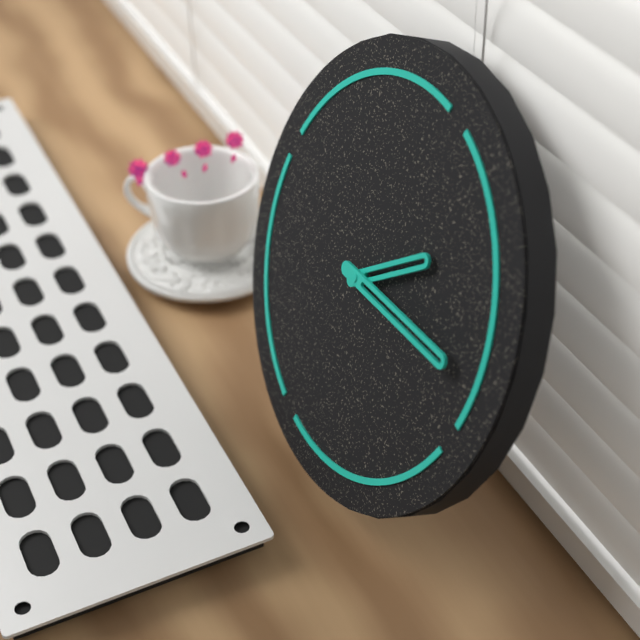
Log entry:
h=1 m=12
